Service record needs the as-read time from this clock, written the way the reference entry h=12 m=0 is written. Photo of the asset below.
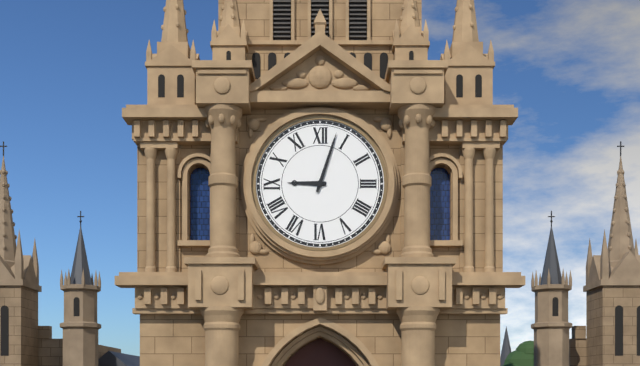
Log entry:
h=9 m=3
